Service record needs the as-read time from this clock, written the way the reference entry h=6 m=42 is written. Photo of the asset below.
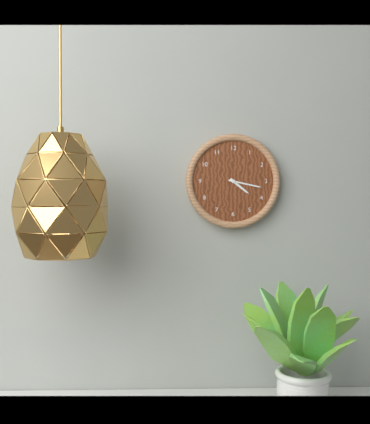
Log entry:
h=4 m=17
